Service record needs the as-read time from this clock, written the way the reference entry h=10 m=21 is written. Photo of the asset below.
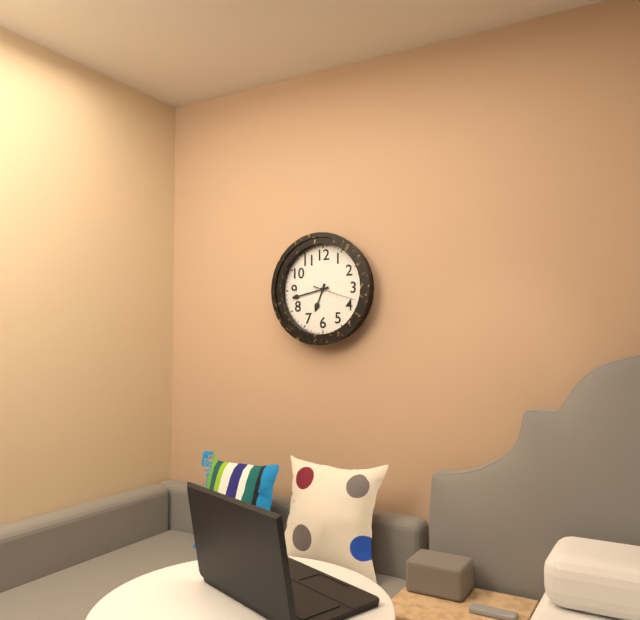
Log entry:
h=6 m=43
